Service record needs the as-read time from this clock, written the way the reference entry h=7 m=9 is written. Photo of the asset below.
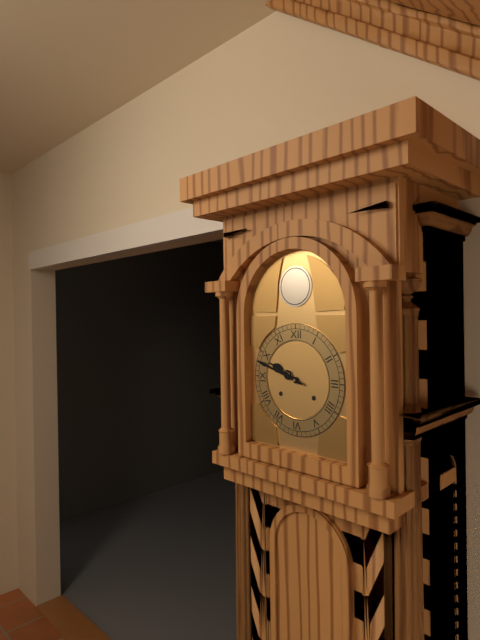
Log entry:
h=9 m=48
